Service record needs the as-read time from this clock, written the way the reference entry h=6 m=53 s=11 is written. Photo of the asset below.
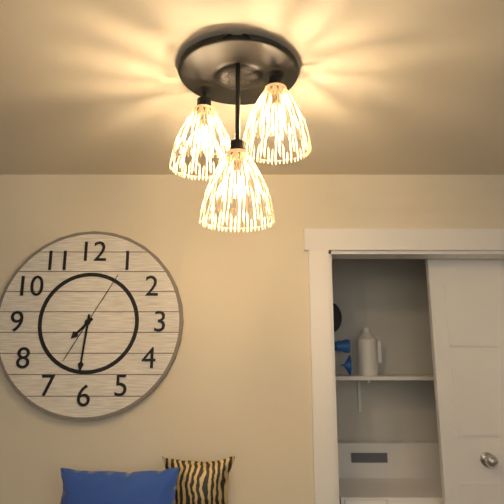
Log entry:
h=7 m=31 s=5
